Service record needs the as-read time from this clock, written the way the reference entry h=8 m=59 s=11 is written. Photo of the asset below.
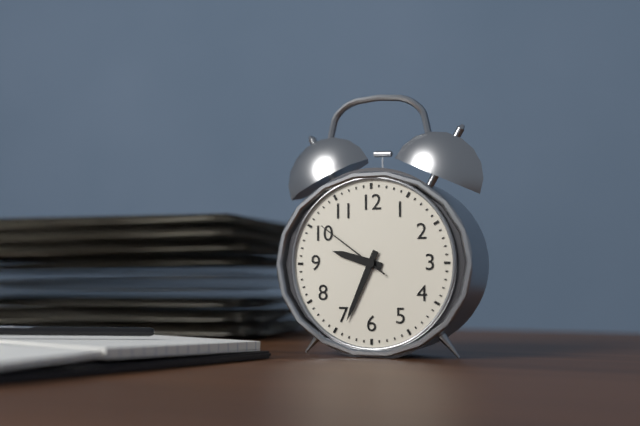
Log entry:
h=9 m=34 s=51
